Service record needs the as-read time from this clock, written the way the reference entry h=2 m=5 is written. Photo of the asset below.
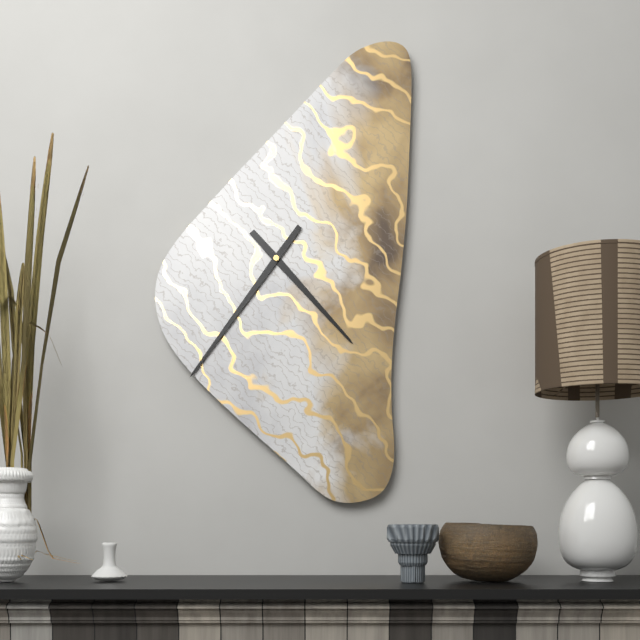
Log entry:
h=4 m=36
